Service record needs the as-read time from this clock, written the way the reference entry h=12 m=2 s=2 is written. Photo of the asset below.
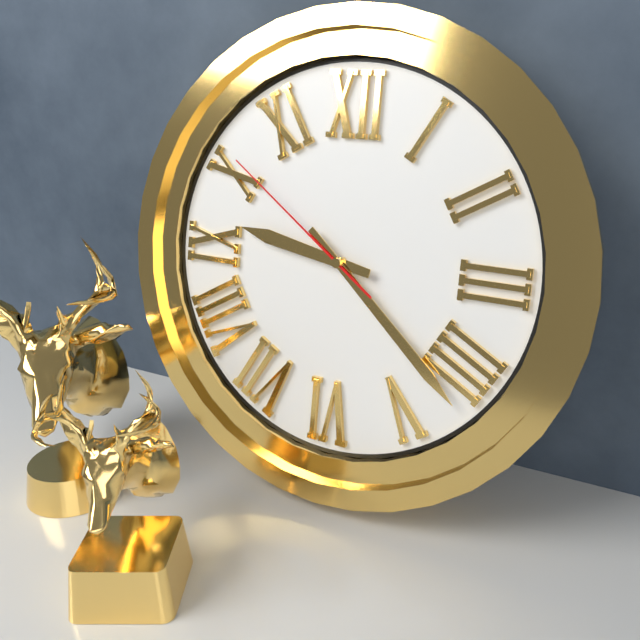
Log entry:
h=9 m=22 s=51
